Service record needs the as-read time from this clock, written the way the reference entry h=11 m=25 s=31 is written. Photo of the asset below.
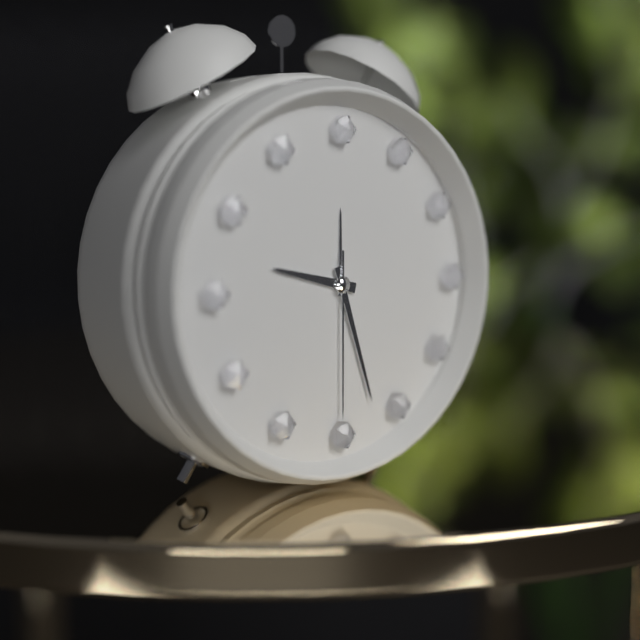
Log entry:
h=9 m=27 s=30
